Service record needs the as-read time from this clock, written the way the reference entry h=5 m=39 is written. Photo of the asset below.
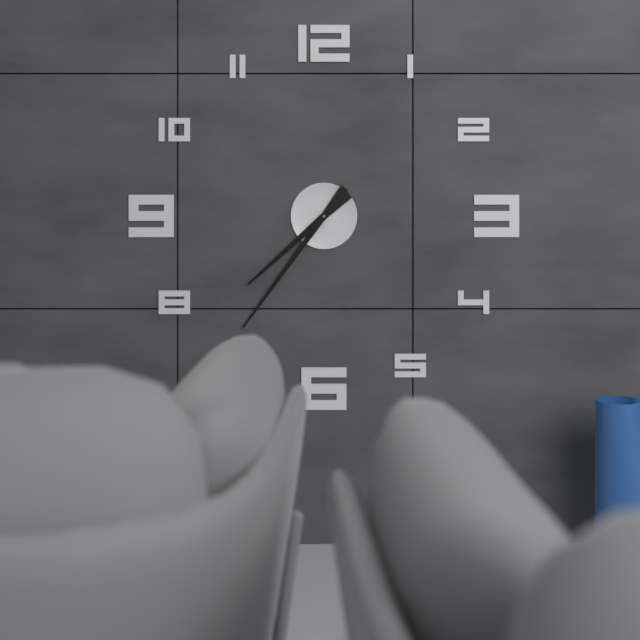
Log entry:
h=7 m=36
